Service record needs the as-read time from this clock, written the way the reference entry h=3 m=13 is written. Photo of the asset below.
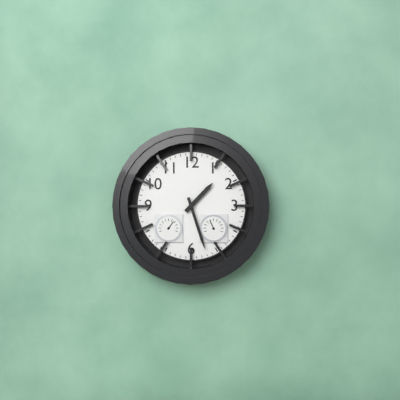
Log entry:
h=1 m=27
